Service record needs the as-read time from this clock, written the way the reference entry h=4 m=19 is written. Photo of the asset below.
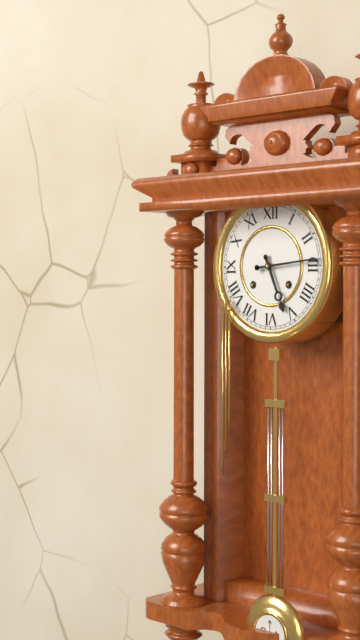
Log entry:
h=5 m=14
